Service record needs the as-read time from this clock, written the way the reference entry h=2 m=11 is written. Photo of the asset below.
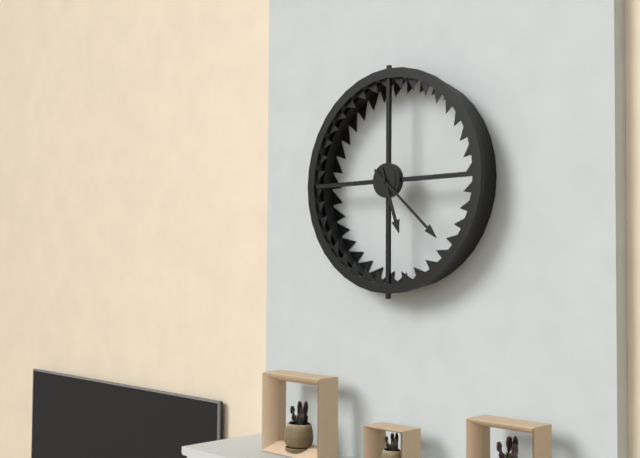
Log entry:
h=5 m=22
